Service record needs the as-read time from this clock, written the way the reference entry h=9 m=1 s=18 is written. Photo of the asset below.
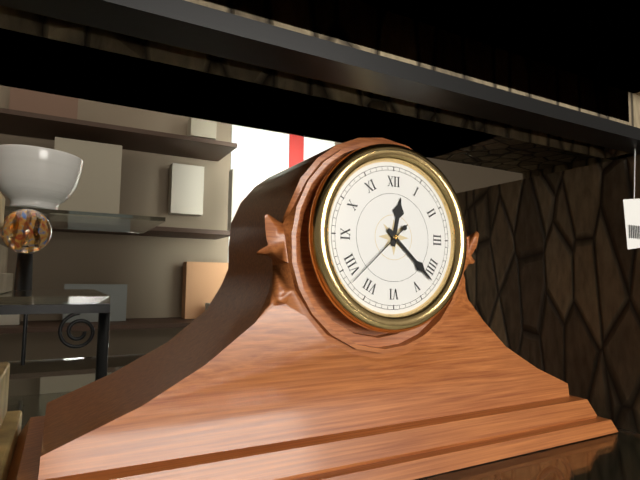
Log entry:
h=12 m=22 s=38
